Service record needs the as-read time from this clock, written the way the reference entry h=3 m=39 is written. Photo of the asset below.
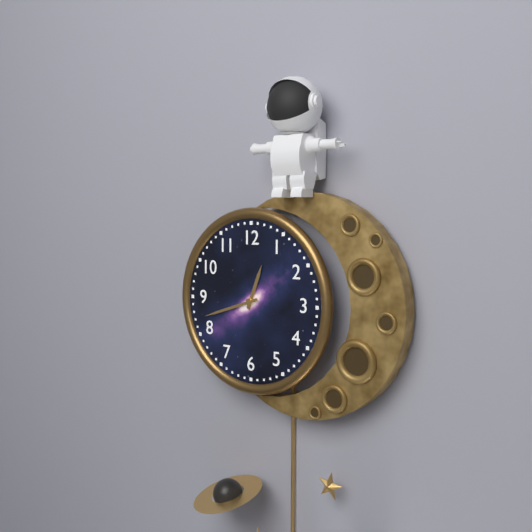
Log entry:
h=12 m=42
